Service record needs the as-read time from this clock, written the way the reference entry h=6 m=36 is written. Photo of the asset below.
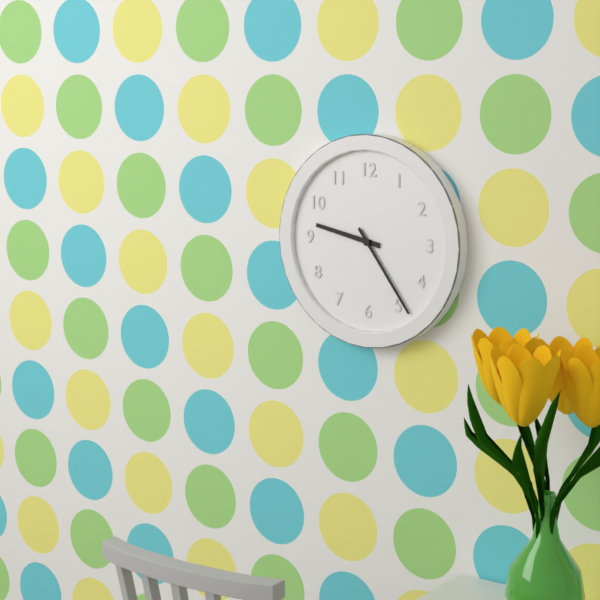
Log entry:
h=9 m=24
